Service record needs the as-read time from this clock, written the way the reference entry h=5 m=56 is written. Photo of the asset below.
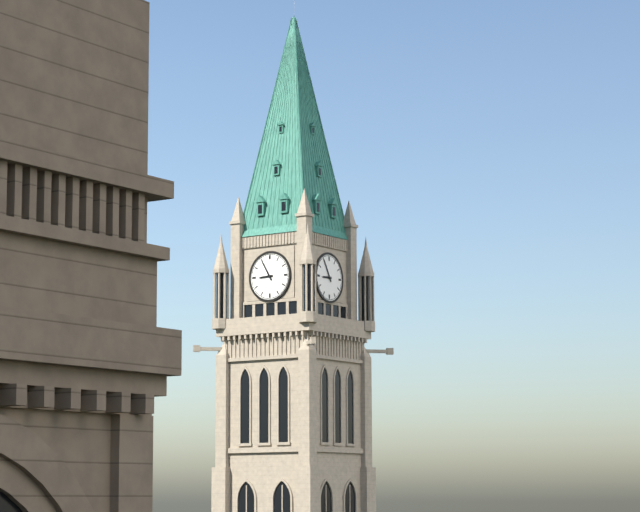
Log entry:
h=8 m=55
